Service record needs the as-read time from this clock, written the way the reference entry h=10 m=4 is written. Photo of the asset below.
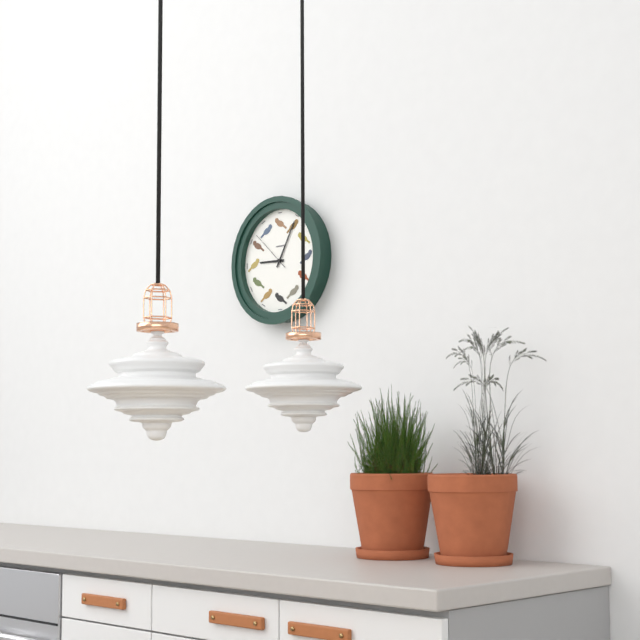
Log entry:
h=9 m=5
